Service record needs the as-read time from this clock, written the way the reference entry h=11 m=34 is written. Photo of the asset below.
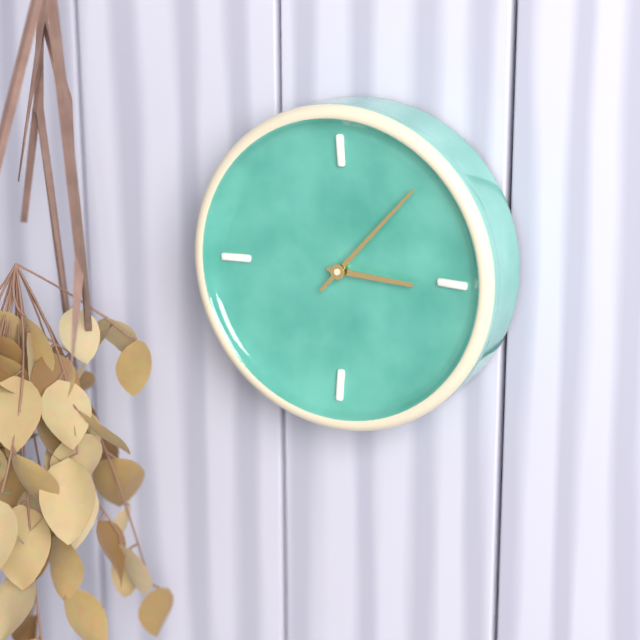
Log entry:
h=3 m=7
